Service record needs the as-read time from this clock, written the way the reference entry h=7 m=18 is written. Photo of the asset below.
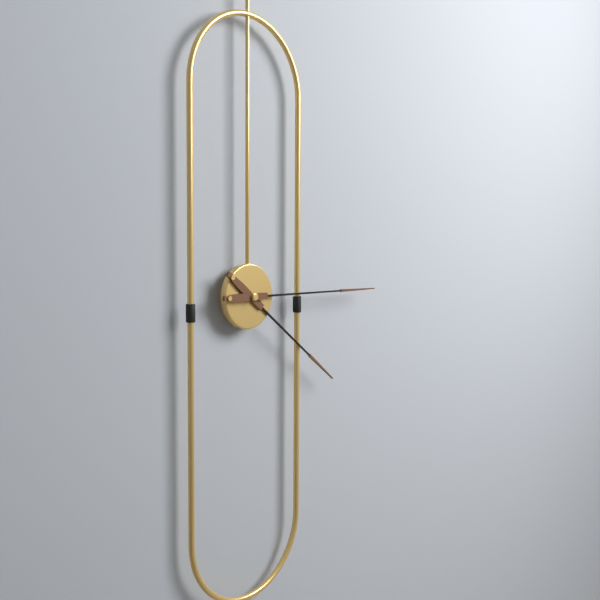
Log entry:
h=4 m=15
